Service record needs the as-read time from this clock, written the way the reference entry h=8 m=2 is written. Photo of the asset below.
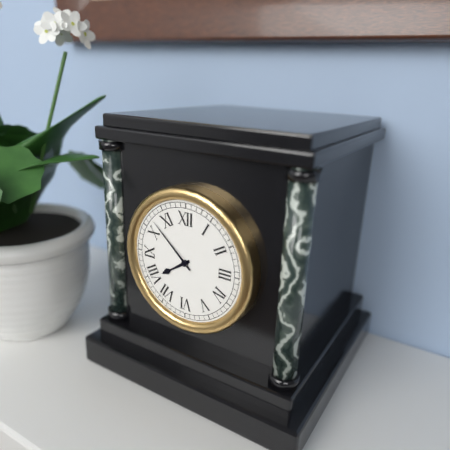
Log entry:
h=7 m=52
